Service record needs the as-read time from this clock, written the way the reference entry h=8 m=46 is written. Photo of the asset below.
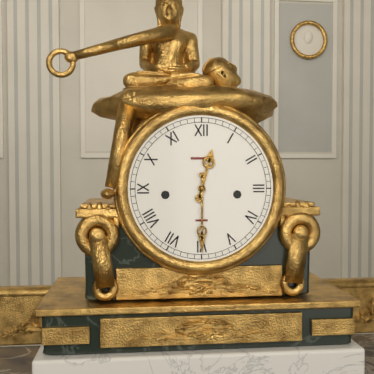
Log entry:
h=12 m=30
